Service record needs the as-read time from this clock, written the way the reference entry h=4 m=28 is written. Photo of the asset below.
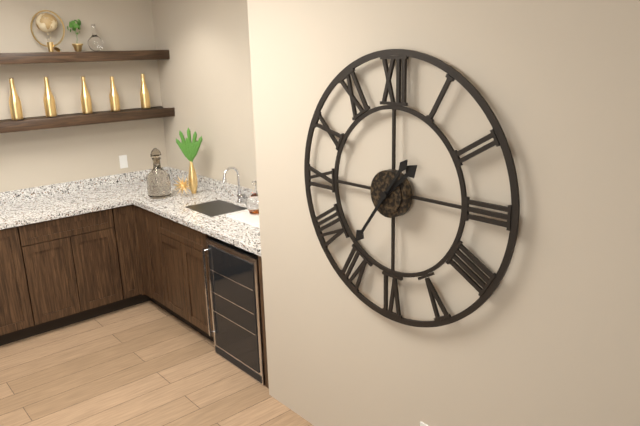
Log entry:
h=1 m=36
